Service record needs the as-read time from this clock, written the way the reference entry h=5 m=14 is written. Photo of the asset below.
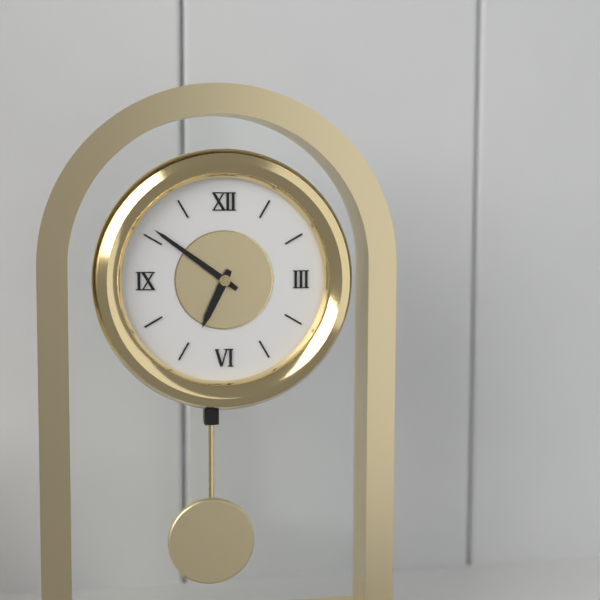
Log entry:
h=6 m=51
